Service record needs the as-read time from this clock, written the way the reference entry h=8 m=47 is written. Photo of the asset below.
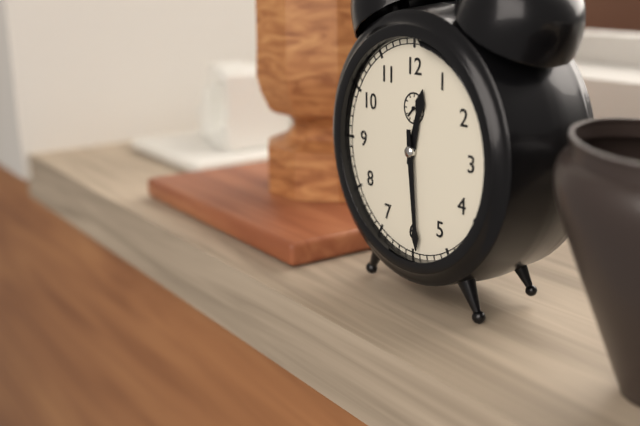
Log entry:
h=12 m=29
